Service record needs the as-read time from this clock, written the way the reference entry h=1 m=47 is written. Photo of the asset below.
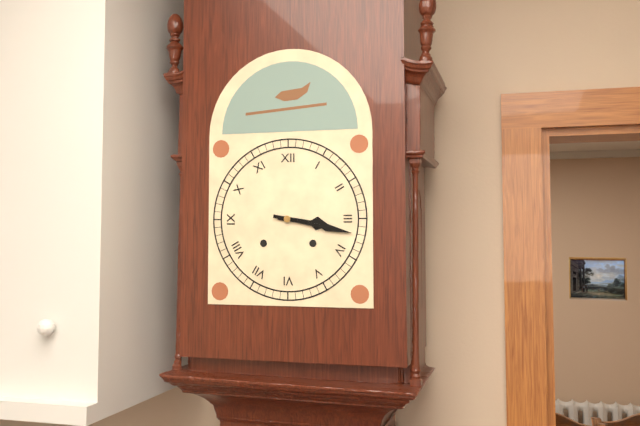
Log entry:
h=3 m=17
